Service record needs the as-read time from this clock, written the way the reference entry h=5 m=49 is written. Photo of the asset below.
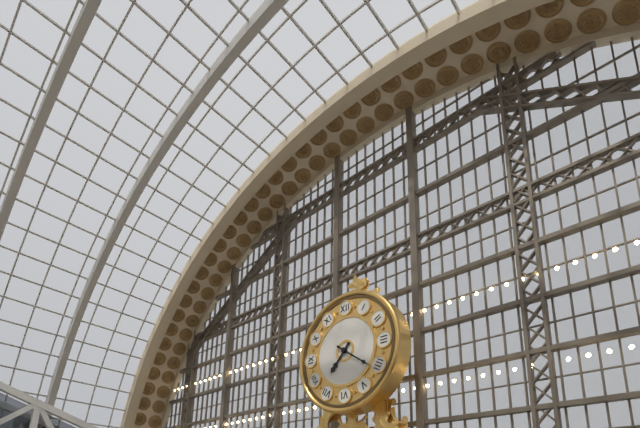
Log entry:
h=7 m=21
